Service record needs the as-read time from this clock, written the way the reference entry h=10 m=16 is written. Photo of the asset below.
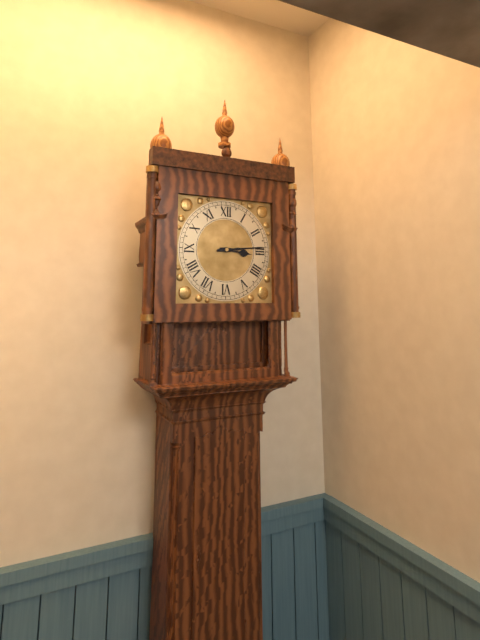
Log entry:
h=3 m=14
